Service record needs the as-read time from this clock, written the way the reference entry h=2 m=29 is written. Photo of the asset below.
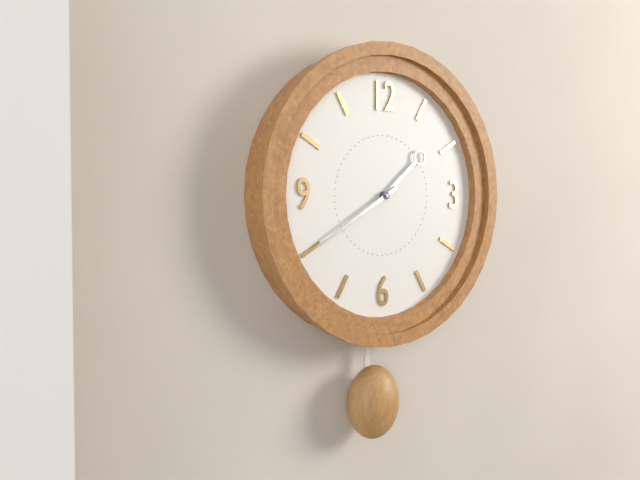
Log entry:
h=1 m=40
